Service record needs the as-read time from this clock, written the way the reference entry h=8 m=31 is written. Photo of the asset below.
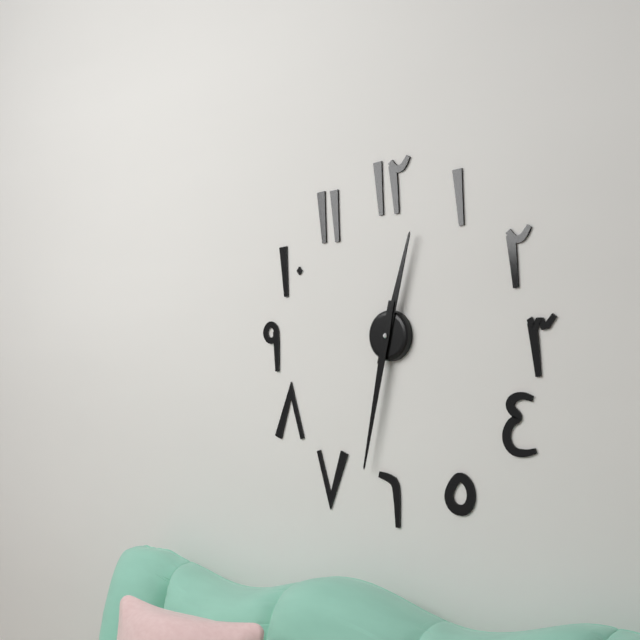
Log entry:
h=12 m=32
